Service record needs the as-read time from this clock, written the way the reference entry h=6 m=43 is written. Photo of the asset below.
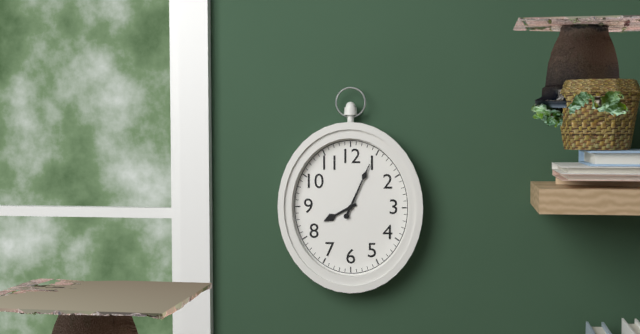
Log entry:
h=8 m=4
